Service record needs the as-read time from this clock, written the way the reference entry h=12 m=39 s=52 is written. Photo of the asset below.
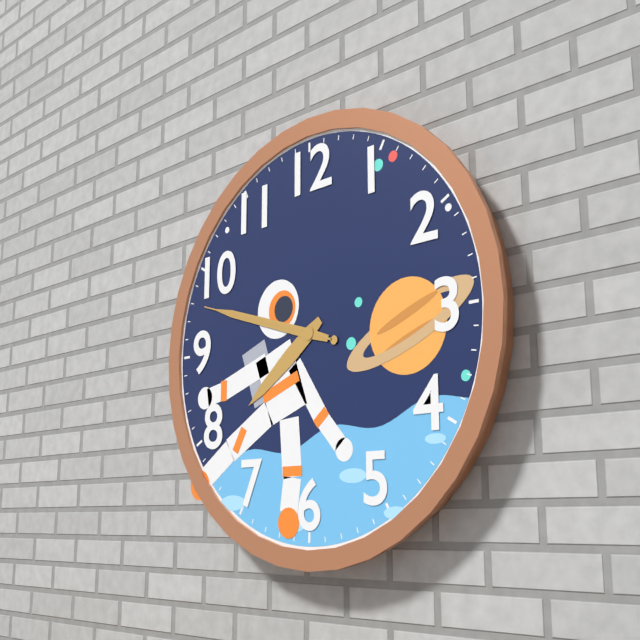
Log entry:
h=7 m=48 s=48
